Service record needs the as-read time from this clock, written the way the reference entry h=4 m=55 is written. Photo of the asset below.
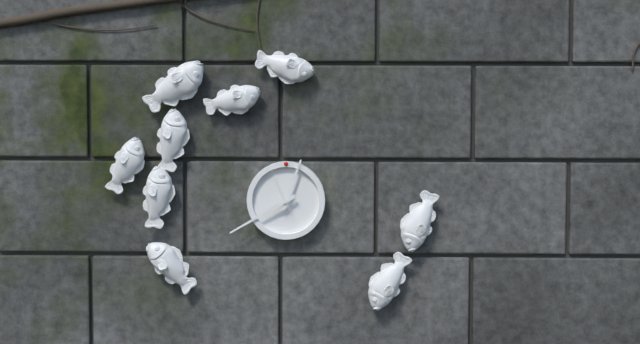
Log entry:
h=12 m=40
